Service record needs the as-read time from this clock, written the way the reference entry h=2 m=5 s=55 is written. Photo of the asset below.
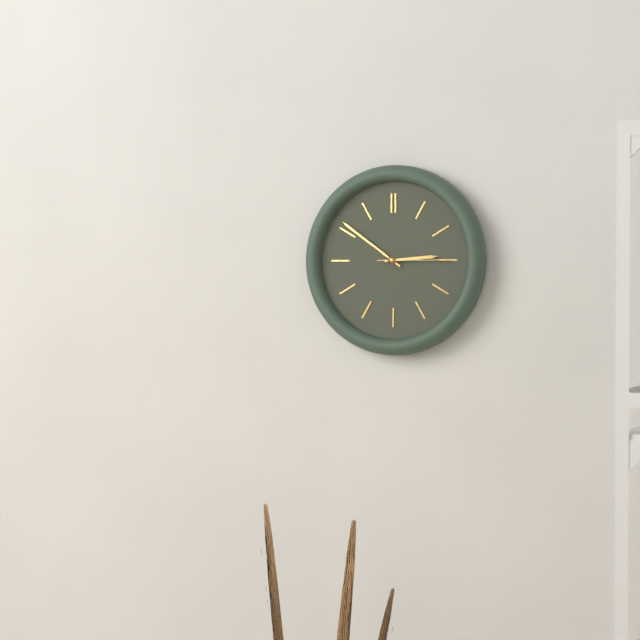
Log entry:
h=2 m=51 s=15
